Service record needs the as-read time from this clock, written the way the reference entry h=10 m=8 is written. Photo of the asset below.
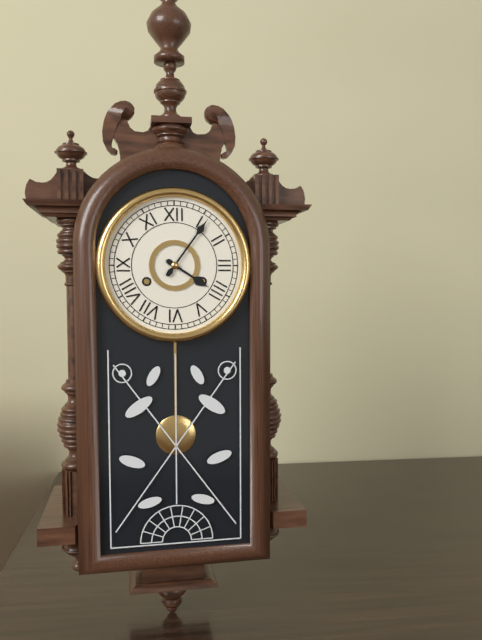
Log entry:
h=4 m=6
